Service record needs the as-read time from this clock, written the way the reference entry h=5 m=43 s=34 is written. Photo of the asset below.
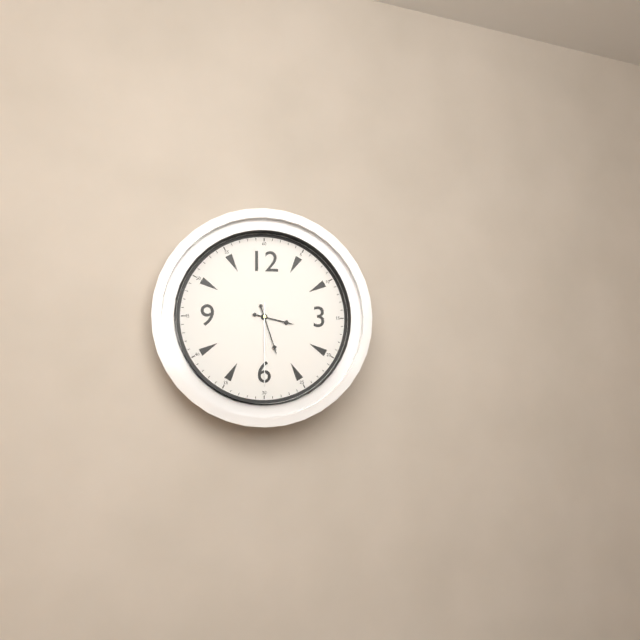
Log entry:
h=3 m=27 s=30
